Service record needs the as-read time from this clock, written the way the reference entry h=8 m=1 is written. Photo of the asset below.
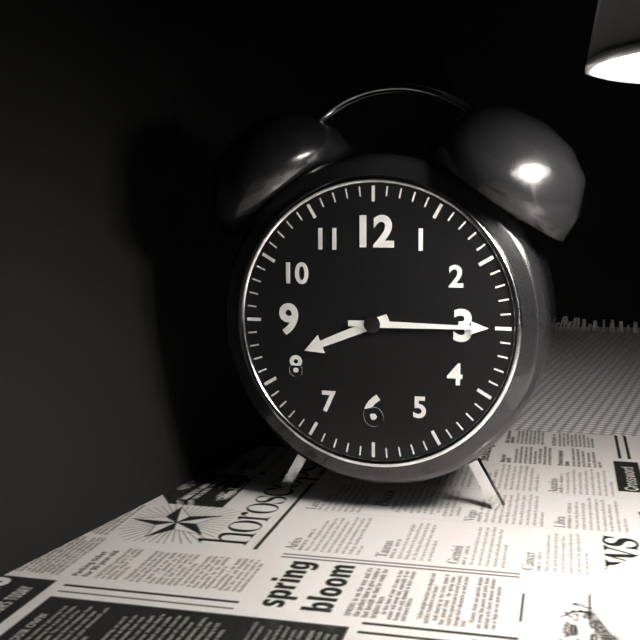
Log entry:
h=8 m=15
